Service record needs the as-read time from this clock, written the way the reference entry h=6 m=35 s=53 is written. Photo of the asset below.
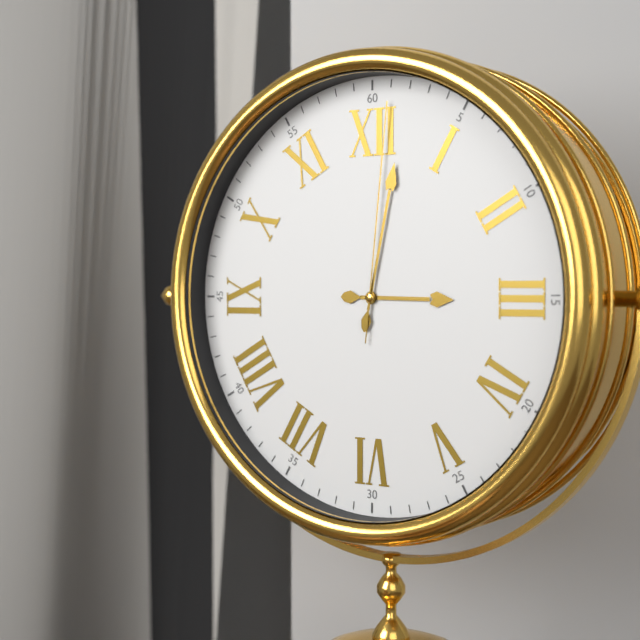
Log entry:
h=3 m=2 s=1
